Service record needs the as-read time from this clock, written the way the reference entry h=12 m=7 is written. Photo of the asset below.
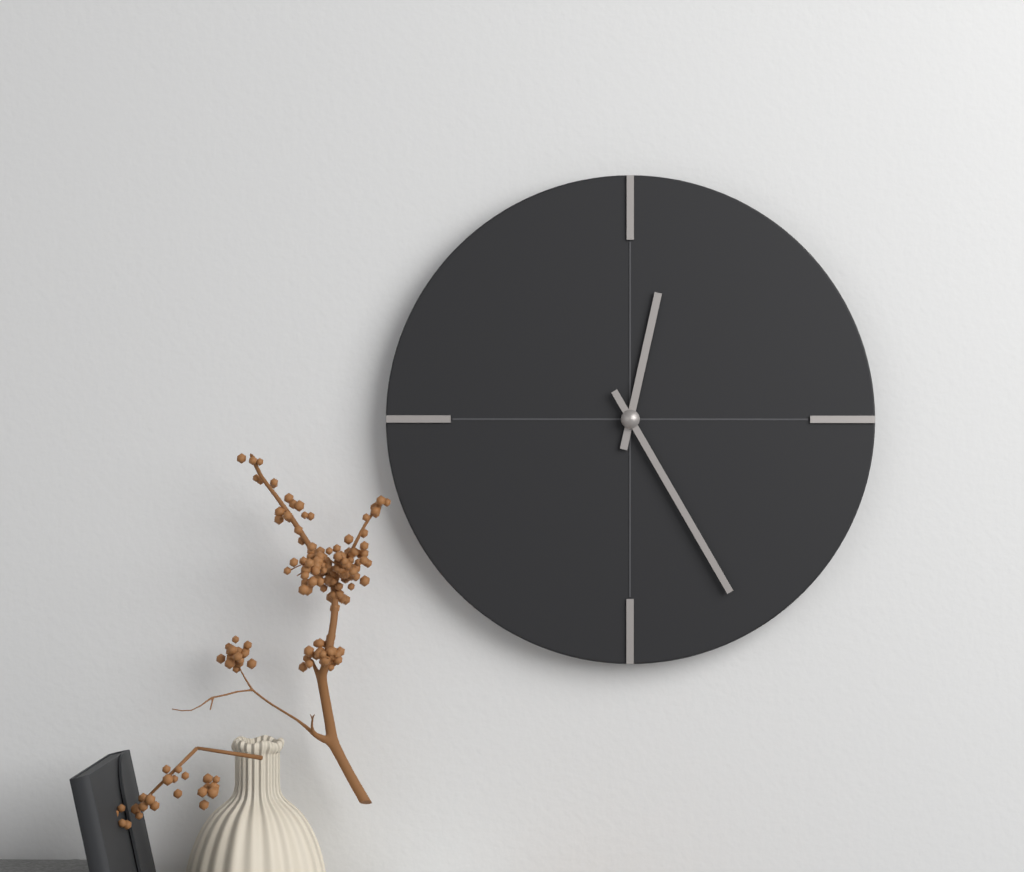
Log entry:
h=12 m=25
